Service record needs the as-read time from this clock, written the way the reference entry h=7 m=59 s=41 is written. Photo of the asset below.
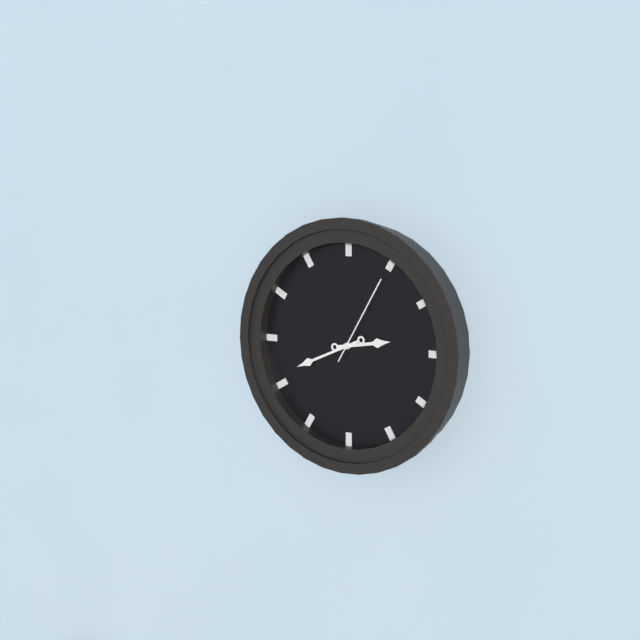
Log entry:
h=2 m=41 s=5
